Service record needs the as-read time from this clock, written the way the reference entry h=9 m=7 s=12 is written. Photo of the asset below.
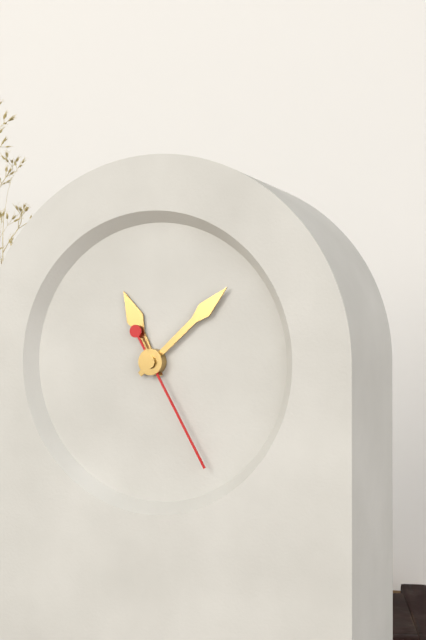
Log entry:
h=11 m=8 s=25
